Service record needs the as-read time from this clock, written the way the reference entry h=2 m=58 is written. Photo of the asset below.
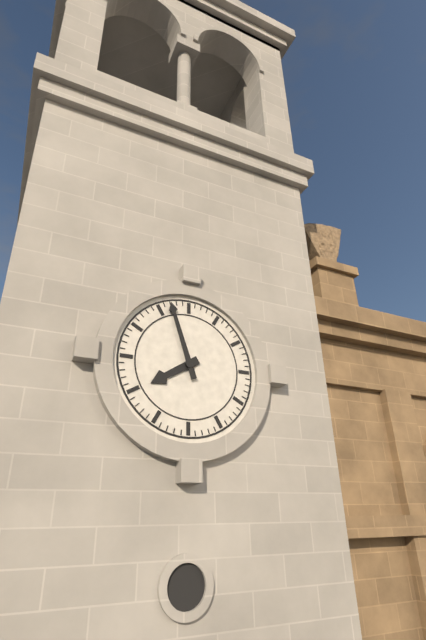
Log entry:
h=7 m=57
